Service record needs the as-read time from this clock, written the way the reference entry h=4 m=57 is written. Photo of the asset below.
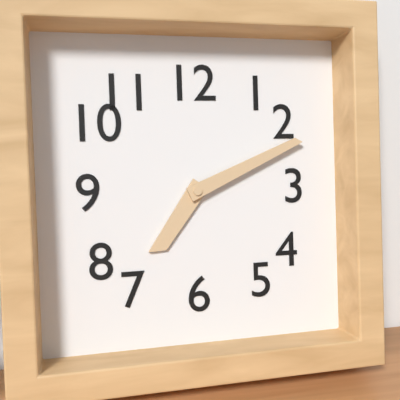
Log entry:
h=7 m=11
